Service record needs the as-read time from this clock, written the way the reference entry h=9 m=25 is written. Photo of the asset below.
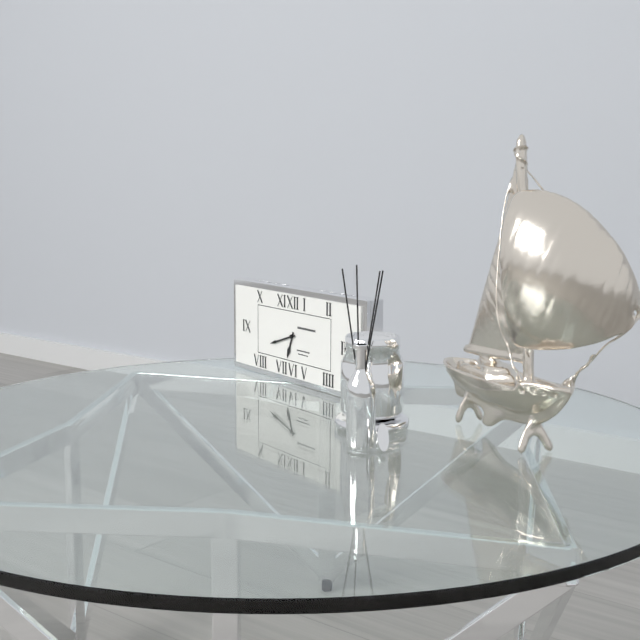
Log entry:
h=6 m=42
